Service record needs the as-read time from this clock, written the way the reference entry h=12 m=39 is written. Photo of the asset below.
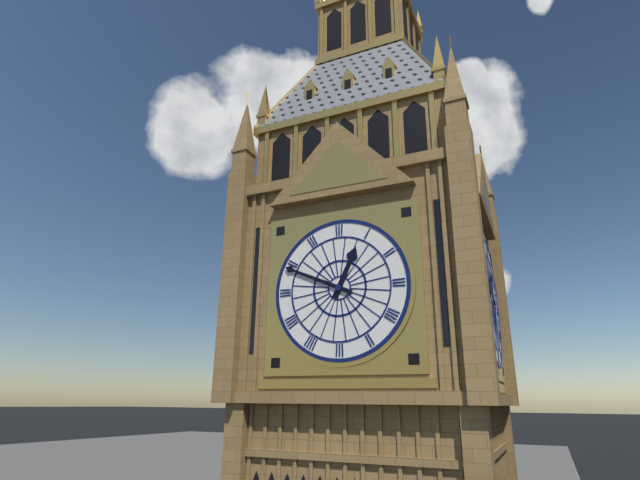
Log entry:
h=12 m=49
